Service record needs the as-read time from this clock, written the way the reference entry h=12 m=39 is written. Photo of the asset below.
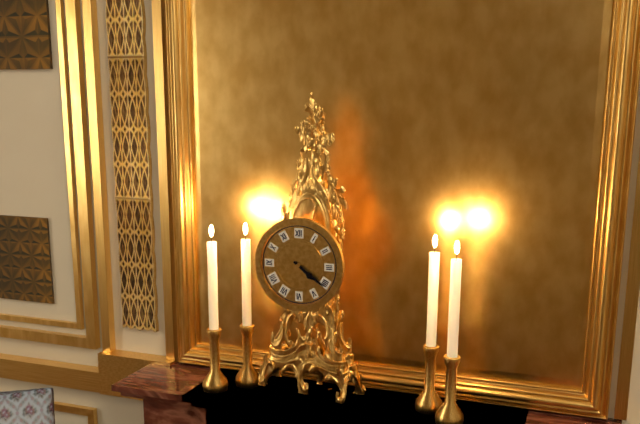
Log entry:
h=4 m=21
